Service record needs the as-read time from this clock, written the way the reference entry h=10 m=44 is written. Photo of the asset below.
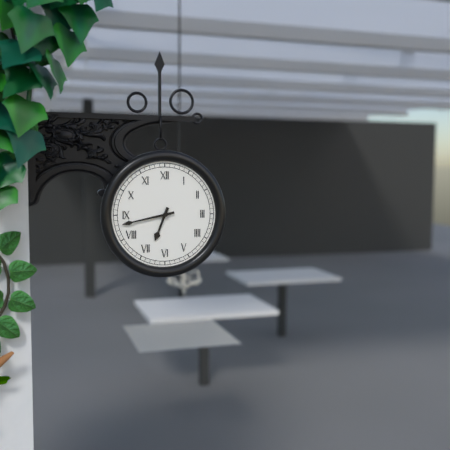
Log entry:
h=6 m=43
